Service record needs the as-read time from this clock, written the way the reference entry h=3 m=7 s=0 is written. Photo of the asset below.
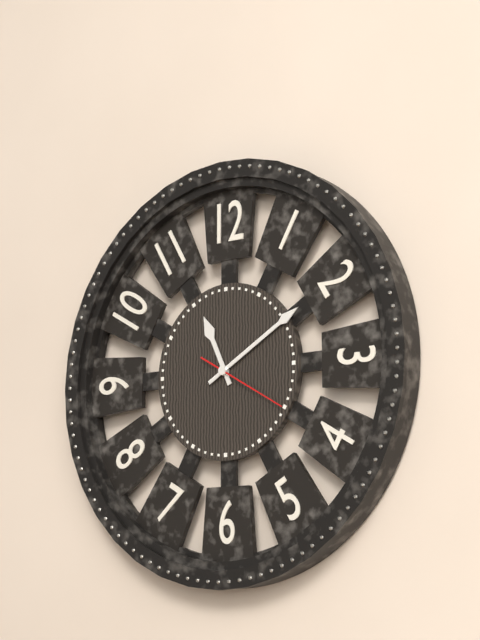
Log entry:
h=11 m=10 s=20
